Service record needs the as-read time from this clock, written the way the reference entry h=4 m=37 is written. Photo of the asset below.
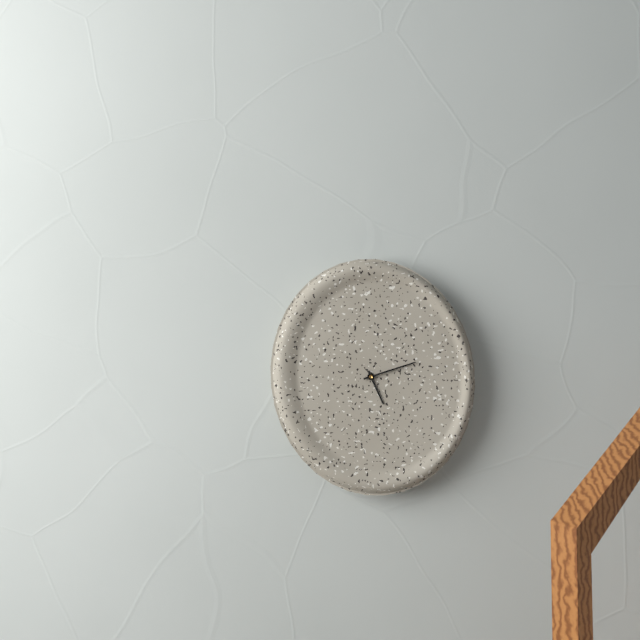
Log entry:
h=5 m=12
